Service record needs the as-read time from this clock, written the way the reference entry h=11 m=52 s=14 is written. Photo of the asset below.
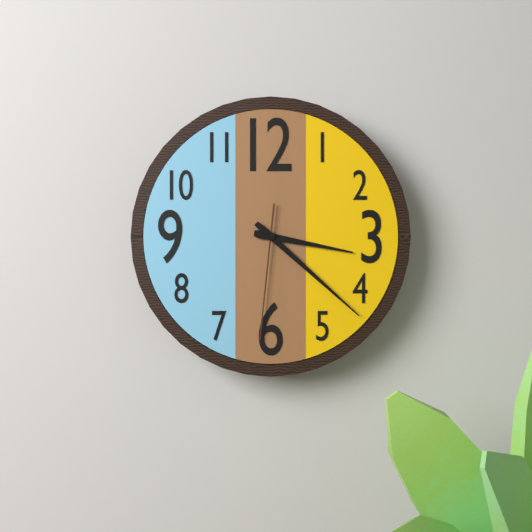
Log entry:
h=3 m=22 s=31
